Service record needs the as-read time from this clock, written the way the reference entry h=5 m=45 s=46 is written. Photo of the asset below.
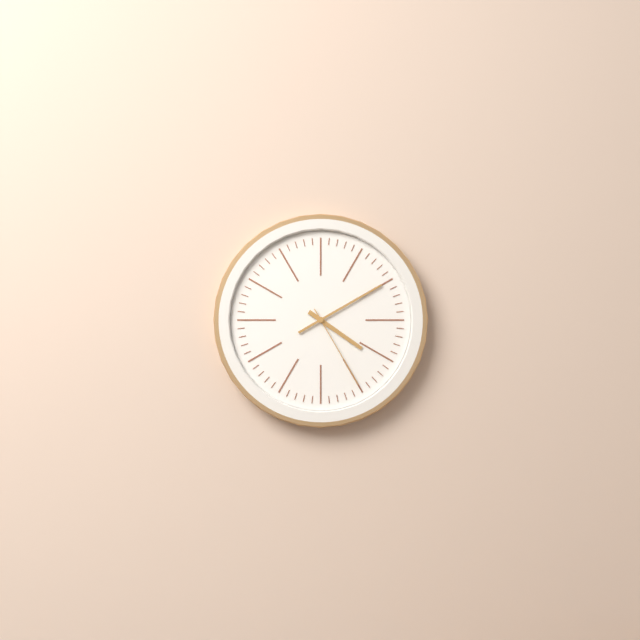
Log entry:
h=4 m=10 s=25
